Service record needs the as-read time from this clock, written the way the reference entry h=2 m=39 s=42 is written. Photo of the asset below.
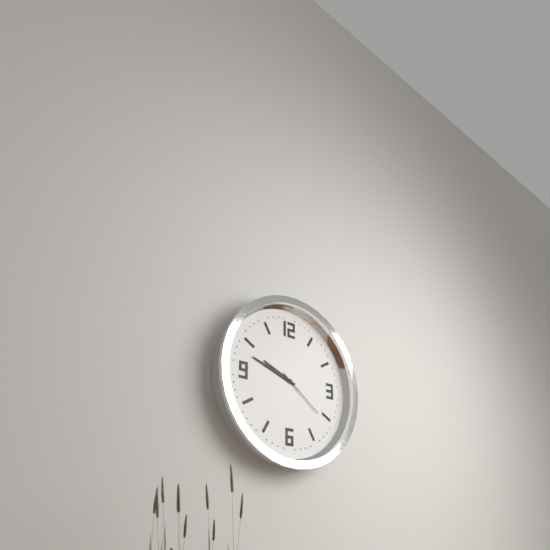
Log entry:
h=9 m=48 s=21
